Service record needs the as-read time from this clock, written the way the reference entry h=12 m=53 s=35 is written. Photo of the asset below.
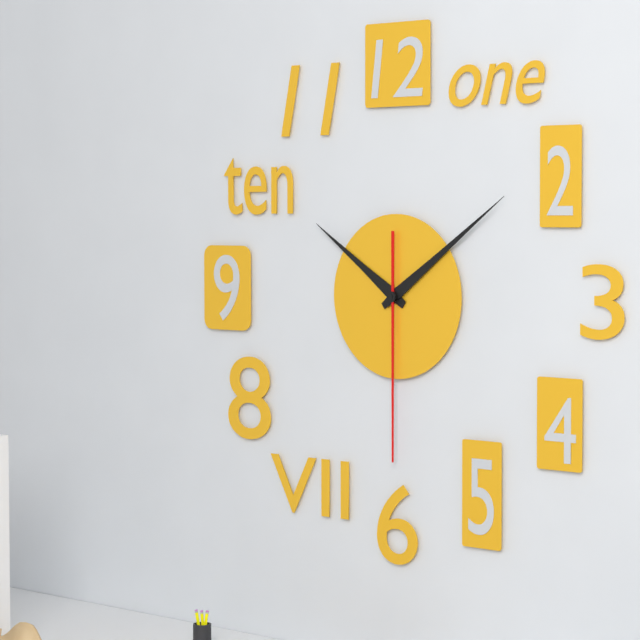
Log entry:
h=10 m=9 s=30
